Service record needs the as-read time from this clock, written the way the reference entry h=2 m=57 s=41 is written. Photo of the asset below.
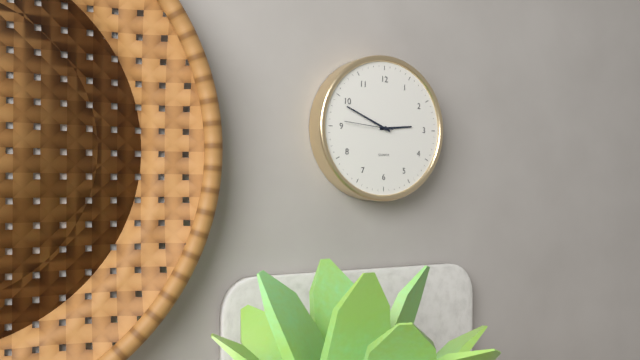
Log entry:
h=2 m=49 s=46
